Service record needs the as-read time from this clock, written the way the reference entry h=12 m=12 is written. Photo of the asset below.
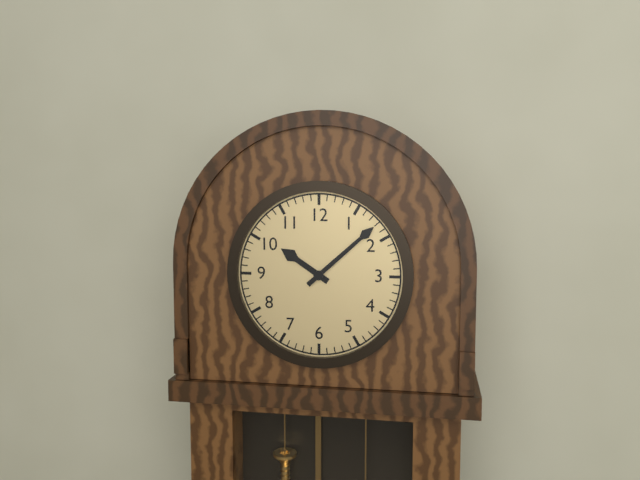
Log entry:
h=10 m=8
